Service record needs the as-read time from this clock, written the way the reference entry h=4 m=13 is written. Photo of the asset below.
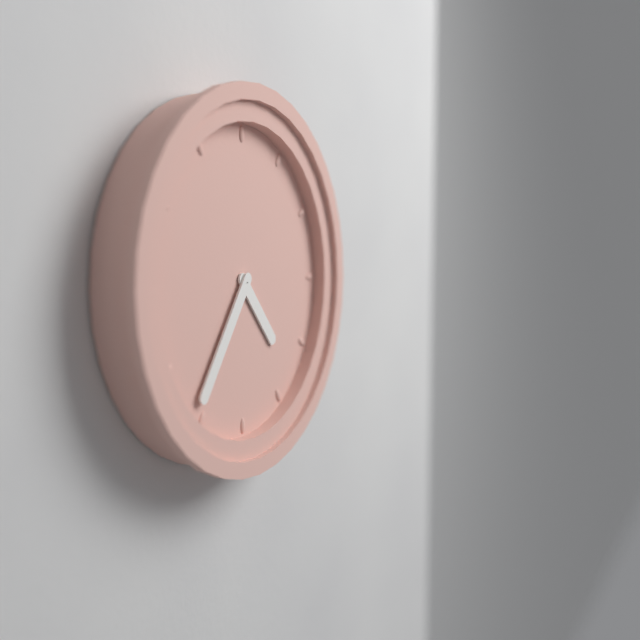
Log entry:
h=4 m=36
